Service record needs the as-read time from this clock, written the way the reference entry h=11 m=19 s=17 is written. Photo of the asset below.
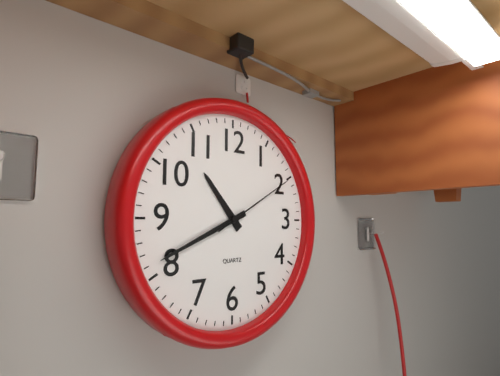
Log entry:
h=10 m=41 s=10
